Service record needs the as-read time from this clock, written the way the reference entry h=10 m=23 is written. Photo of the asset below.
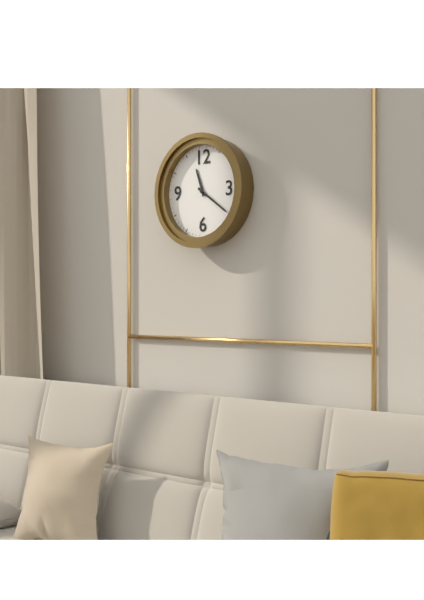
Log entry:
h=11 m=21
